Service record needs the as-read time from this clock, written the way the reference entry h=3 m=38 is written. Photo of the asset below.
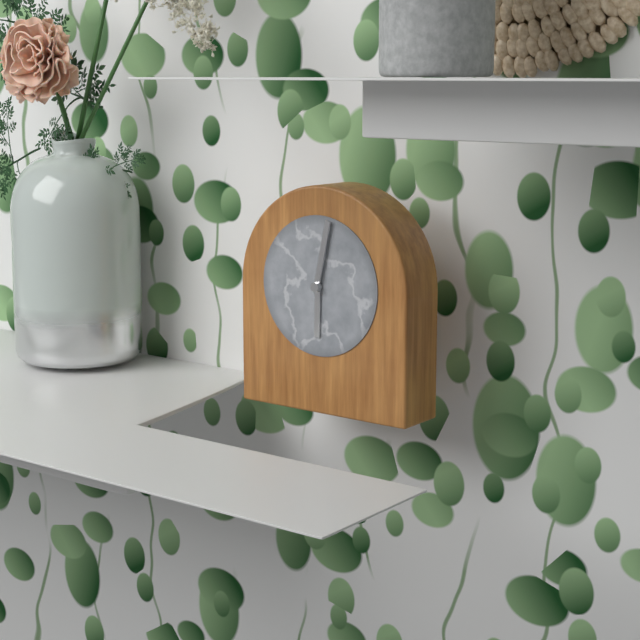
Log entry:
h=6 m=2
